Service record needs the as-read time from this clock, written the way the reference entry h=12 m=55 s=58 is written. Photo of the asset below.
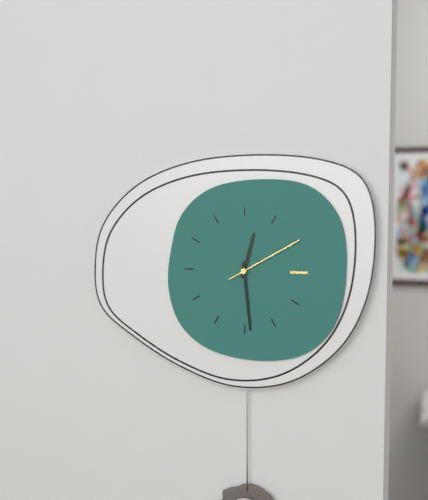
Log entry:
h=12 m=29 s=10
